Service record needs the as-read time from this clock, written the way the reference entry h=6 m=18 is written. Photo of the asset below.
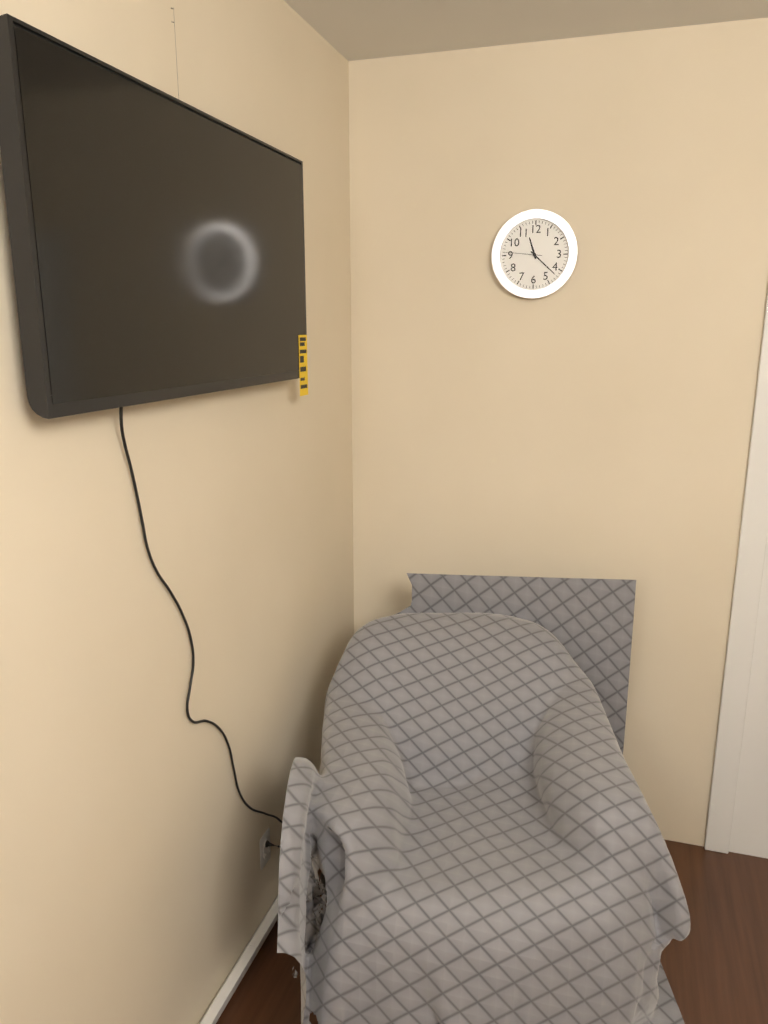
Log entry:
h=11 m=22
